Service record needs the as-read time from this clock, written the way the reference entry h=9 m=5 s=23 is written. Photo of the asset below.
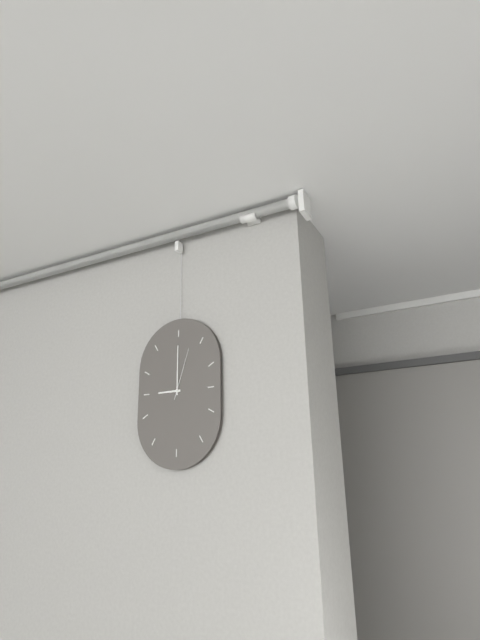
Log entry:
h=9 m=0 s=3
